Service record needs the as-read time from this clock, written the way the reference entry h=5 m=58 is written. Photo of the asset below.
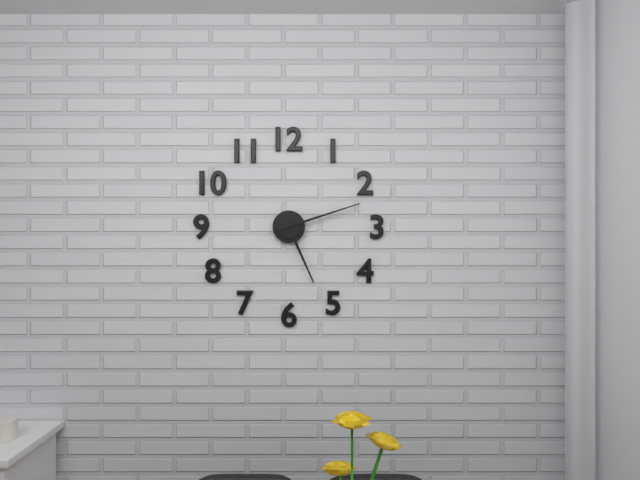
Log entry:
h=5 m=12
